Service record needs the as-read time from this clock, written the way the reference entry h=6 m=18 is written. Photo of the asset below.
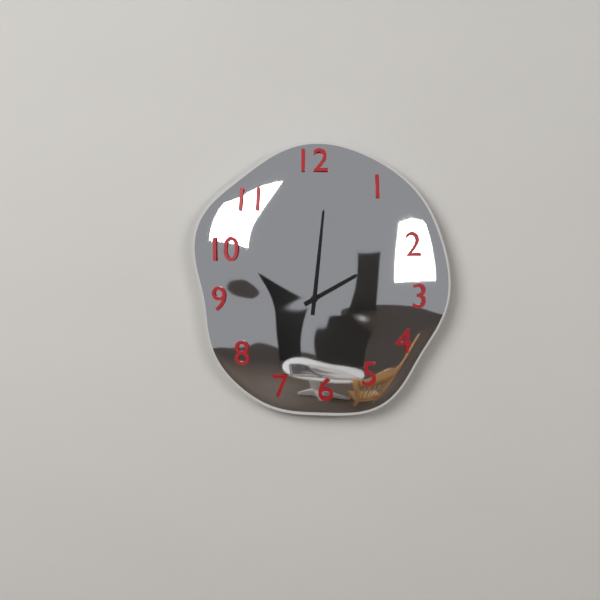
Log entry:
h=2 m=1
